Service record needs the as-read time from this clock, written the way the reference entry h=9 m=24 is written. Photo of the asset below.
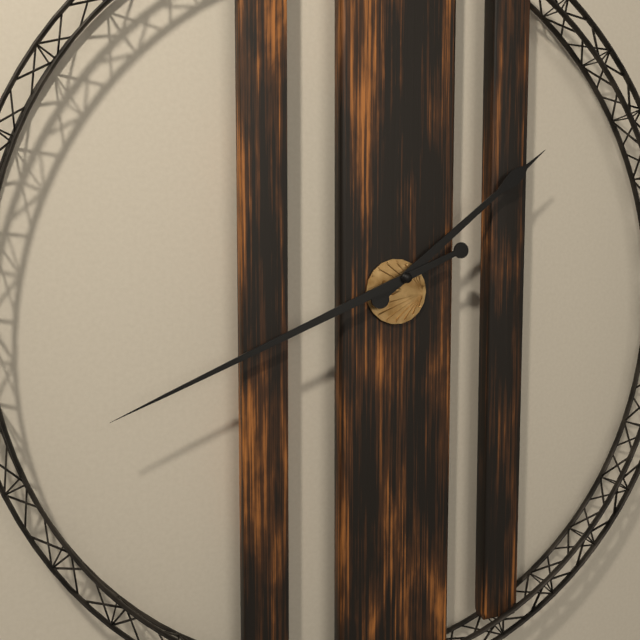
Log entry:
h=1 m=41
